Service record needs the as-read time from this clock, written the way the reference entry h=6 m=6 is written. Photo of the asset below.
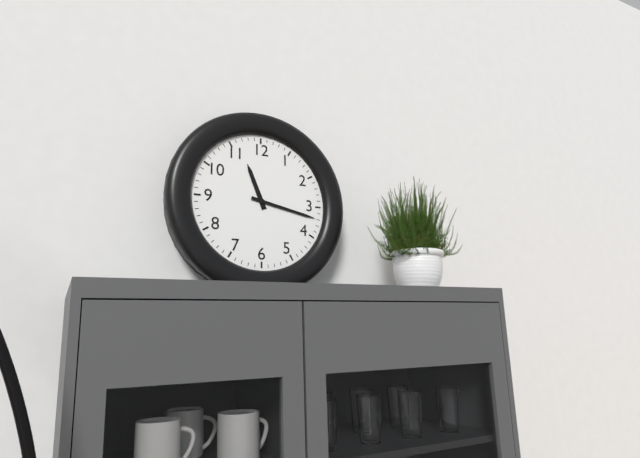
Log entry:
h=11 m=17
